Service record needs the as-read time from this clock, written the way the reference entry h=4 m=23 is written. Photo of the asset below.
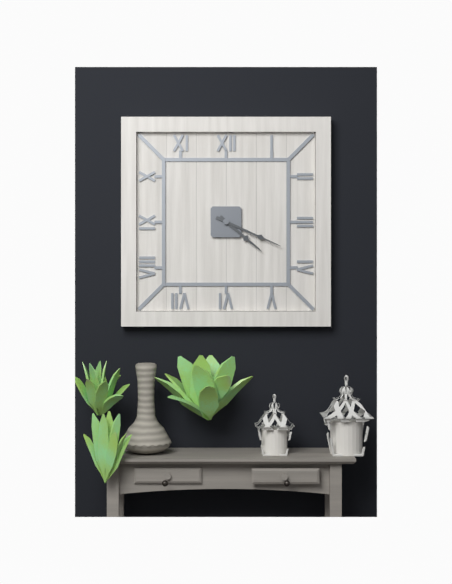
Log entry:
h=4 m=19
